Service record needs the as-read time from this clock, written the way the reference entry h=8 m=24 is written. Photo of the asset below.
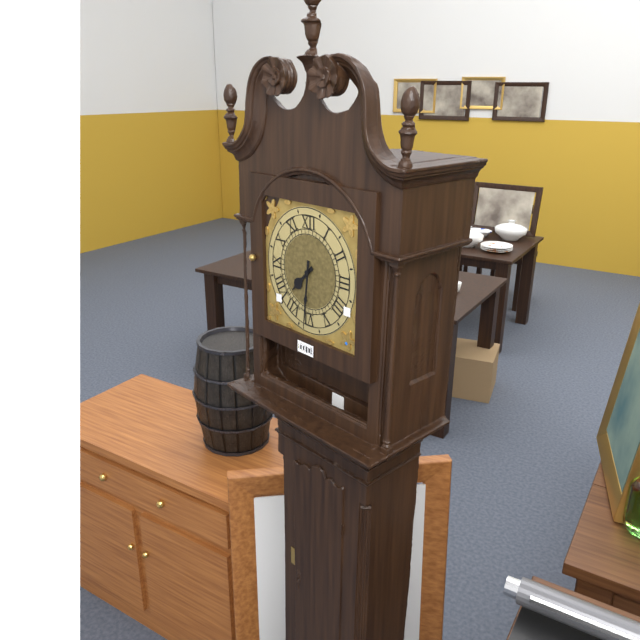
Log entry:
h=7 m=31
